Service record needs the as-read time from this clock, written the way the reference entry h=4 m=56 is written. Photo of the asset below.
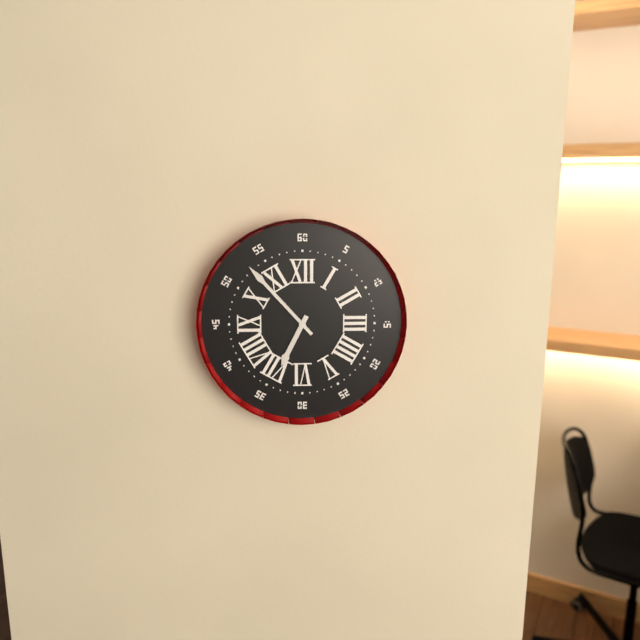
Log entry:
h=6 m=53
